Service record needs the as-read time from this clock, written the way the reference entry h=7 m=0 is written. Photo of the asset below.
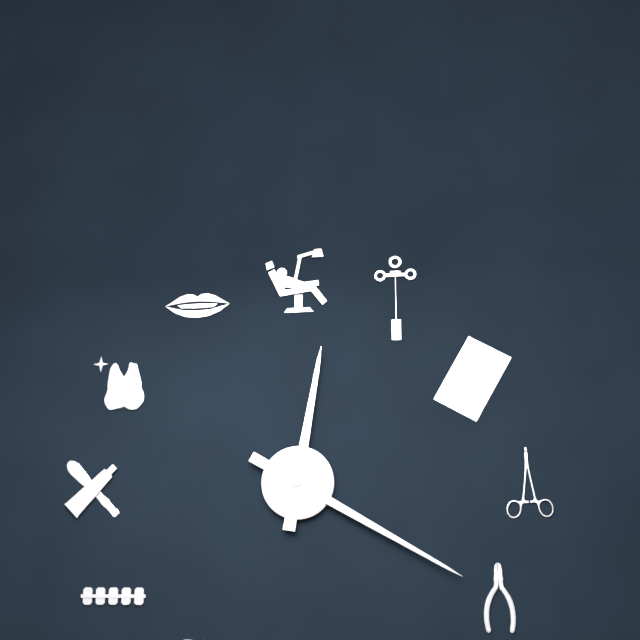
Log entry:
h=12 m=20
